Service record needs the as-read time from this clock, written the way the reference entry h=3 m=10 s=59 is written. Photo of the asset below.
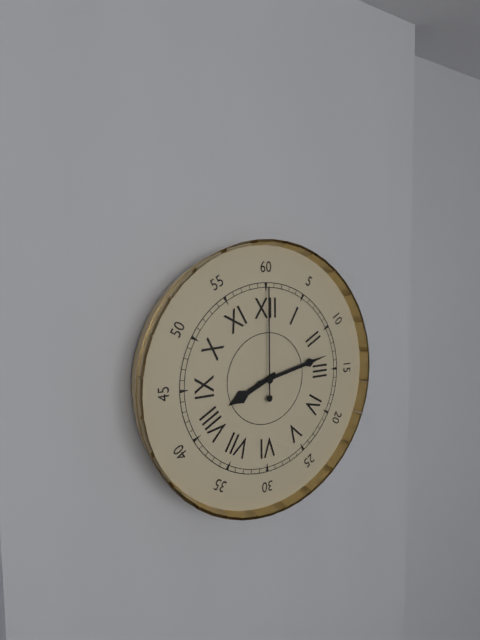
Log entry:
h=8 m=13 s=0
